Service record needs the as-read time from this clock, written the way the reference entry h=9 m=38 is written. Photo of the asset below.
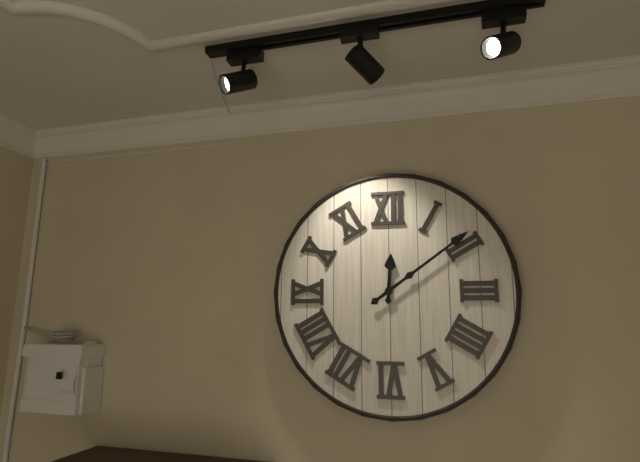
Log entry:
h=12 m=9
